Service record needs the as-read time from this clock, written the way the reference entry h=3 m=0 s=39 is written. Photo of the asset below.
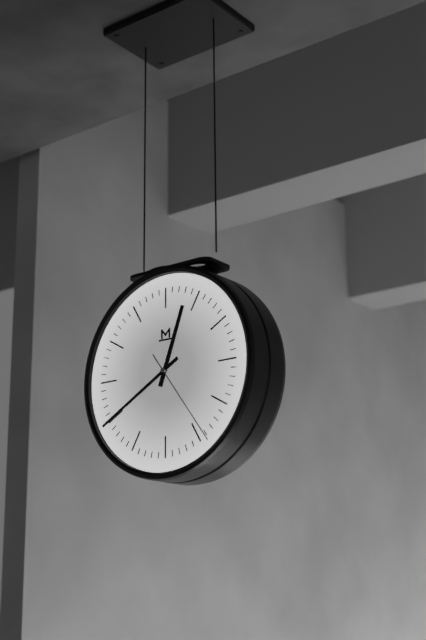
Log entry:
h=12 m=40 s=24
